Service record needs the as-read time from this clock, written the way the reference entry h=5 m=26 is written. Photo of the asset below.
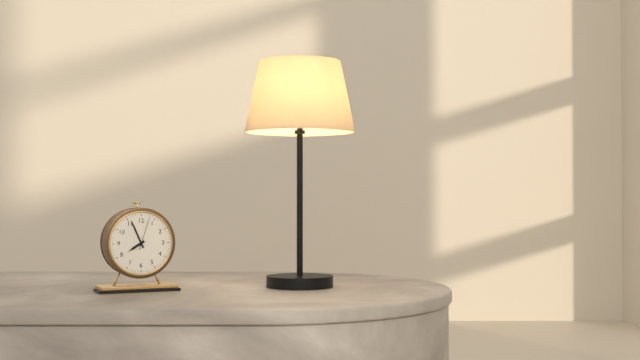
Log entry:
h=7 m=56
